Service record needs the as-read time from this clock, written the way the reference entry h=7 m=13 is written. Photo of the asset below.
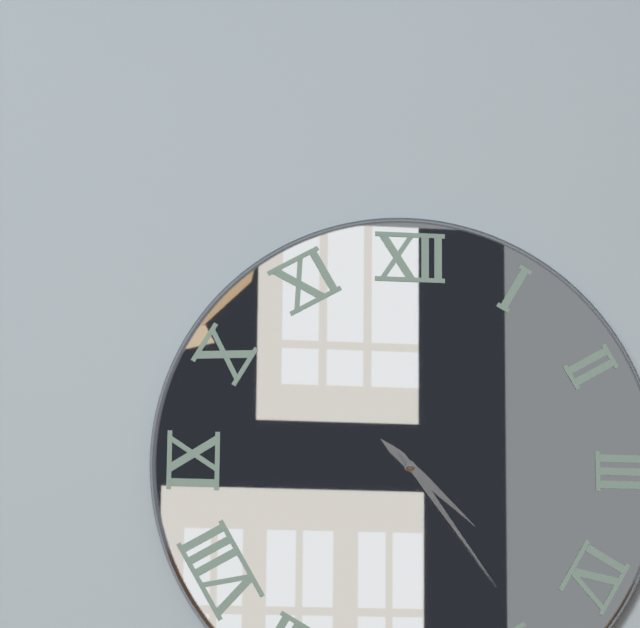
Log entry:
h=4 m=24
